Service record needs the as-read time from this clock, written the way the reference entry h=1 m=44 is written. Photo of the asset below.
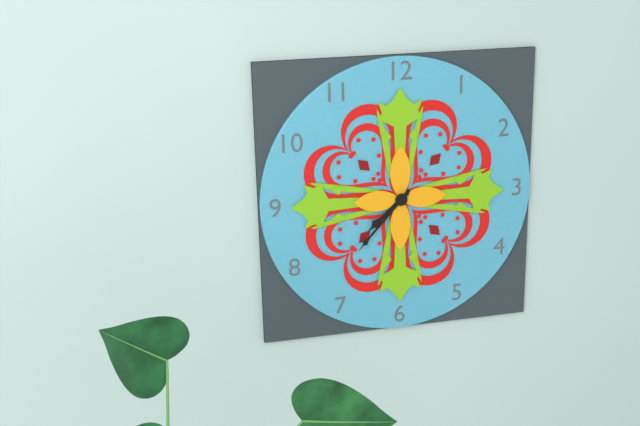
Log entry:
h=7 m=37
